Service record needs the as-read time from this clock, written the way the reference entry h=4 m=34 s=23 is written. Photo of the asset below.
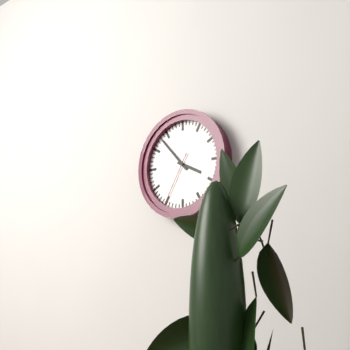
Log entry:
h=3 m=53 s=35
